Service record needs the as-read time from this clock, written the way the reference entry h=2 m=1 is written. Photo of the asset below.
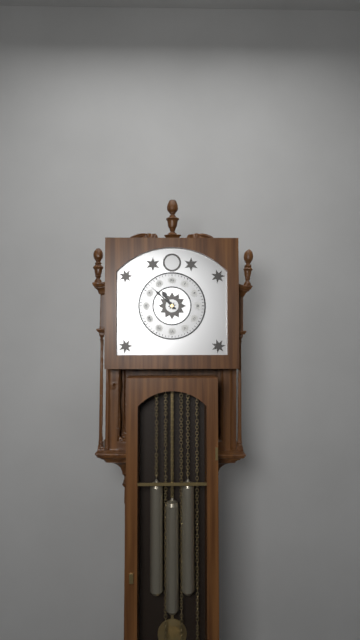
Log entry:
h=10 m=52
